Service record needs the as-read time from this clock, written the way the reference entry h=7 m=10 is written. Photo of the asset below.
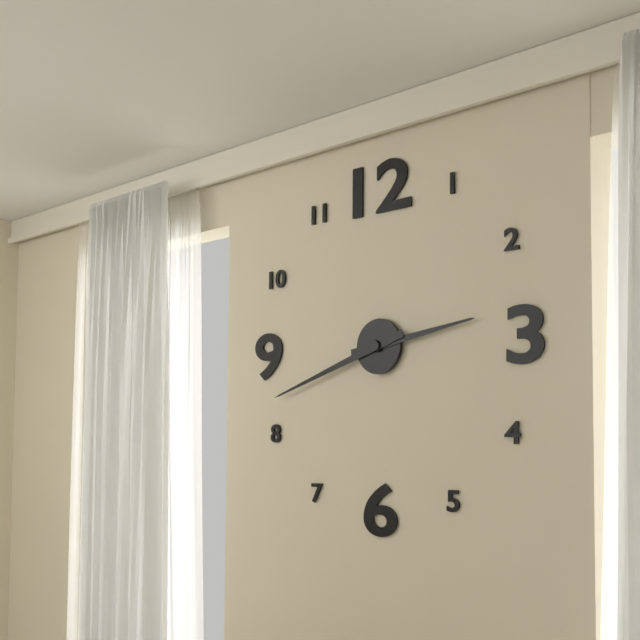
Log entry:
h=2 m=42
